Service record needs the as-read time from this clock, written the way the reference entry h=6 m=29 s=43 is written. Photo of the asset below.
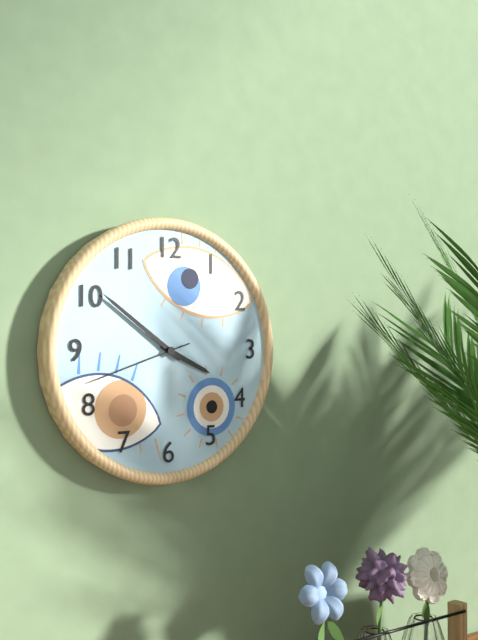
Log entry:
h=3 m=51 s=42
